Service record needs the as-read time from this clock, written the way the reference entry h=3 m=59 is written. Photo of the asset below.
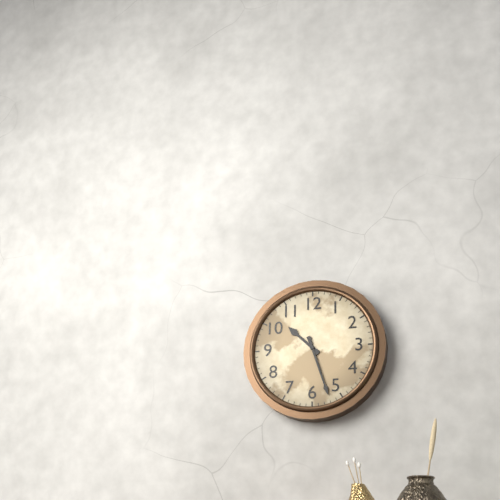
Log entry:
h=10 m=27
